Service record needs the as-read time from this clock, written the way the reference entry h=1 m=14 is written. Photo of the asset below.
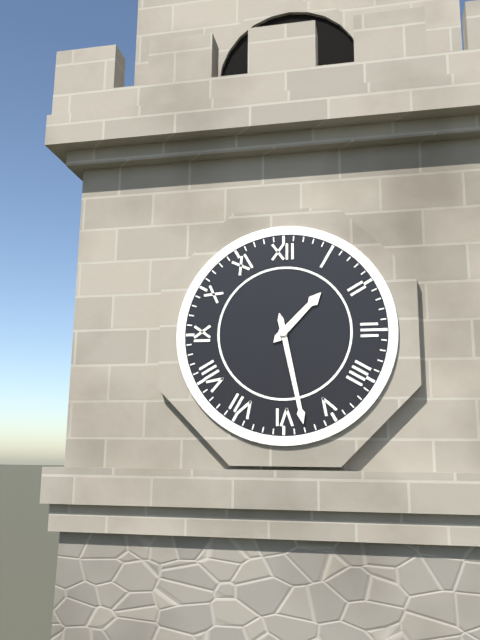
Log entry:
h=1 m=28
